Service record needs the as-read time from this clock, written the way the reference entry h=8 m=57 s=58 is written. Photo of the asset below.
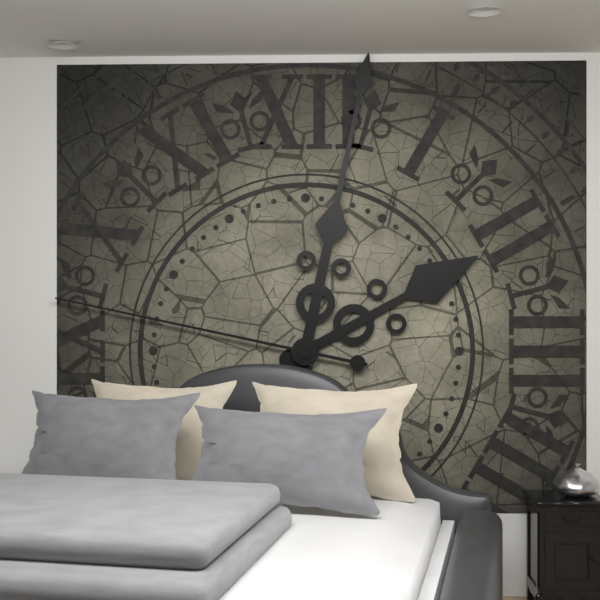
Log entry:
h=2 m=2 s=47
